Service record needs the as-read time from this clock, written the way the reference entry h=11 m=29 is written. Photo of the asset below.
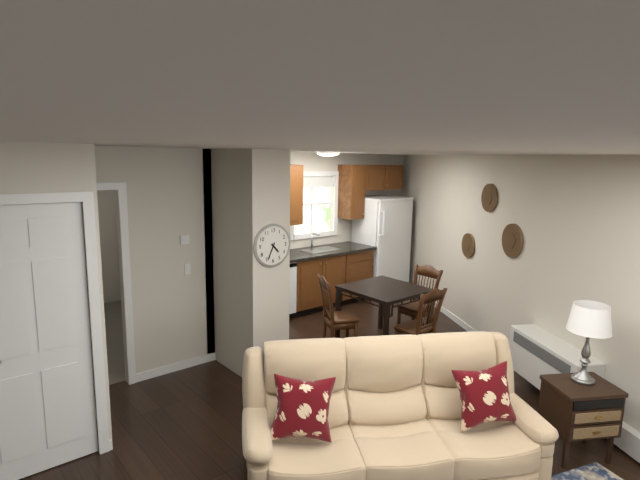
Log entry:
h=4 m=34
